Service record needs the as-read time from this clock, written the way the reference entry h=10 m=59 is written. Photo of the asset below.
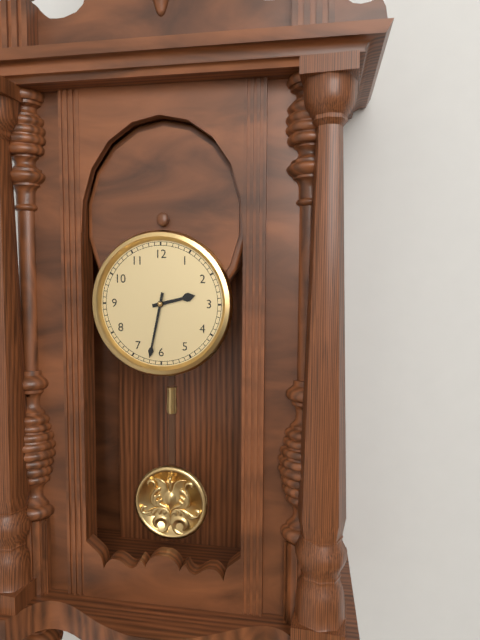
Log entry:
h=2 m=32
